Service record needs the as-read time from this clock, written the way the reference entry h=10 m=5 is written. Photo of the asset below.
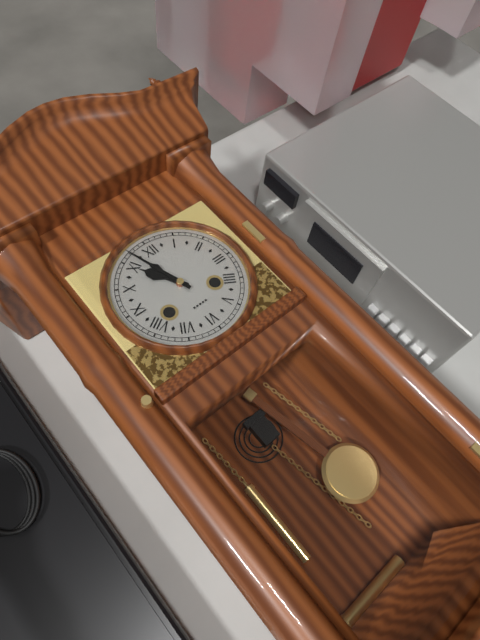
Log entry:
h=10 m=57
